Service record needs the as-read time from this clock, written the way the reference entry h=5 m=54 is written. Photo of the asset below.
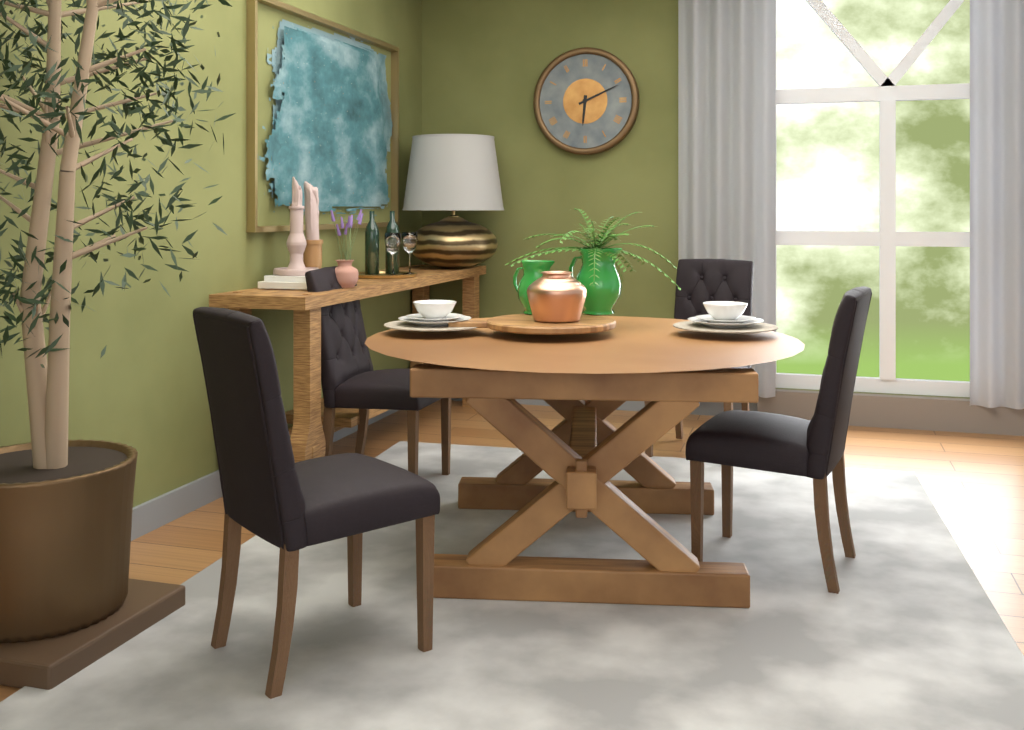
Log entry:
h=6 m=11
